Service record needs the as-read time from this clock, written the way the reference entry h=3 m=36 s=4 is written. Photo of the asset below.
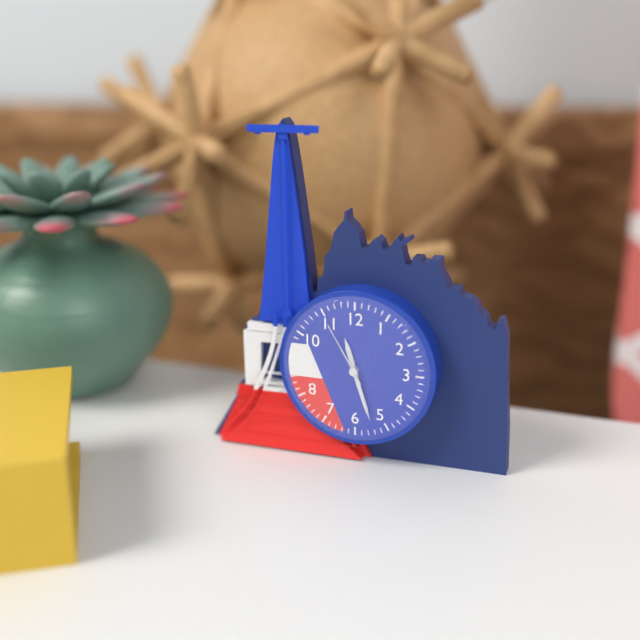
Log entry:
h=11 m=27 s=55
